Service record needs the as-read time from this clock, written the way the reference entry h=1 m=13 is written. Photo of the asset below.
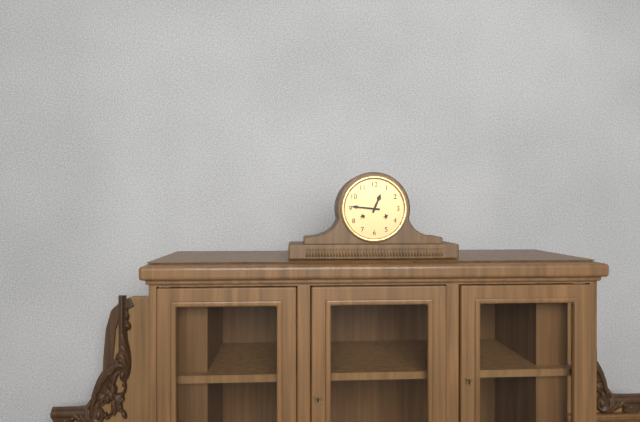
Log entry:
h=12 m=46
